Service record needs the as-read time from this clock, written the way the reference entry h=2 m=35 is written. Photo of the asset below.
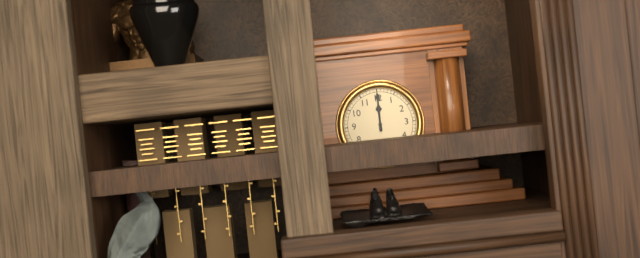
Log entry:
h=12 m=0
